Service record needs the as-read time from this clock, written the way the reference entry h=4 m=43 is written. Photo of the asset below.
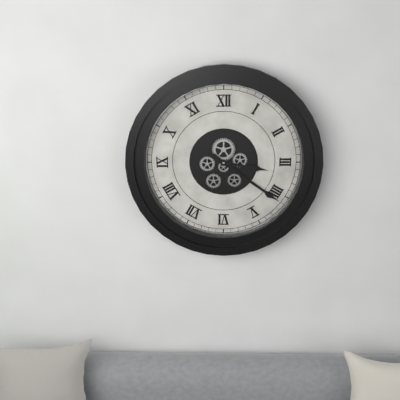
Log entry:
h=3 m=21
